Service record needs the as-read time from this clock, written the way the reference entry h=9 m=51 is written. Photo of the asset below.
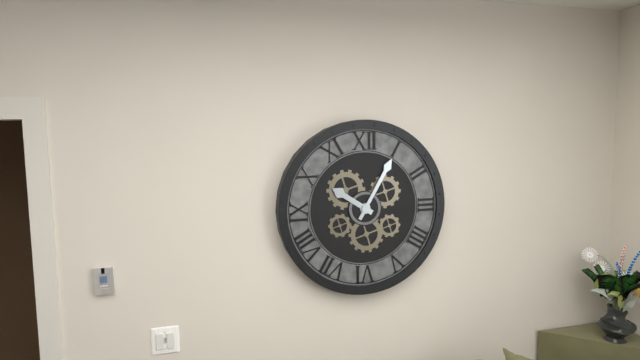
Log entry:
h=10 m=5
